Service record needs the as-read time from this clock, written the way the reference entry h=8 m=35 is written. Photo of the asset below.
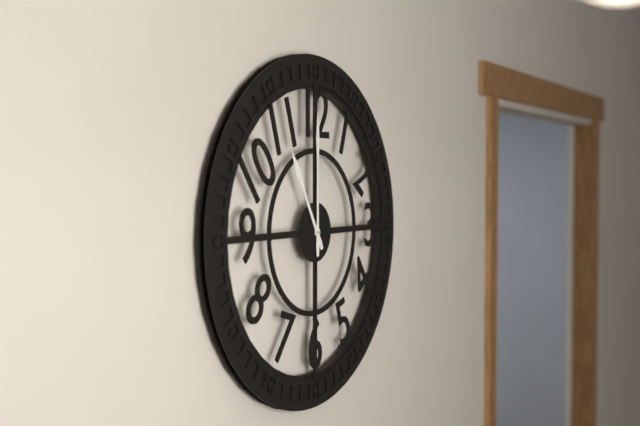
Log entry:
h=11 m=0
